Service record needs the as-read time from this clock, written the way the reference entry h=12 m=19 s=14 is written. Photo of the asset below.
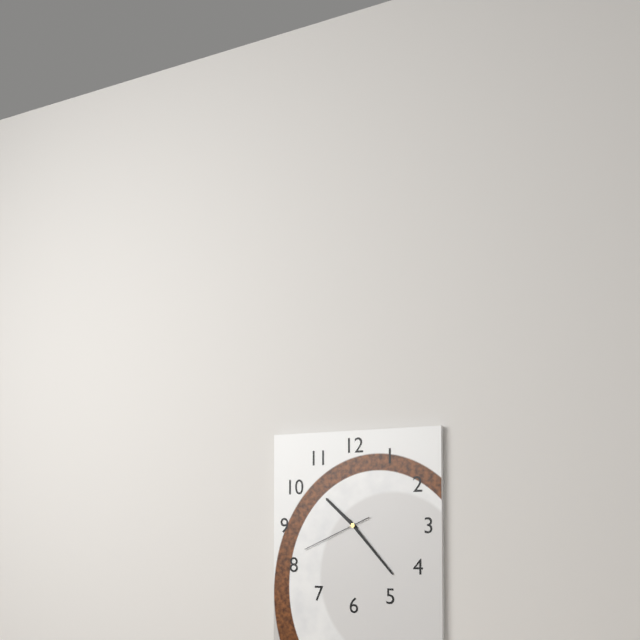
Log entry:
h=10 m=23 s=41
